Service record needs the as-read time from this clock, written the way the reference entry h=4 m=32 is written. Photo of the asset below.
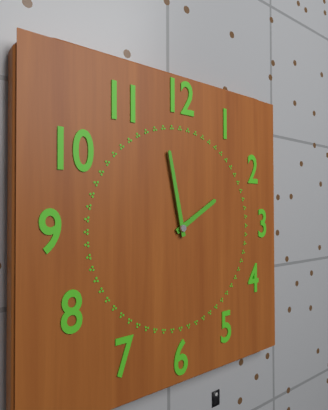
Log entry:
h=1 m=58
